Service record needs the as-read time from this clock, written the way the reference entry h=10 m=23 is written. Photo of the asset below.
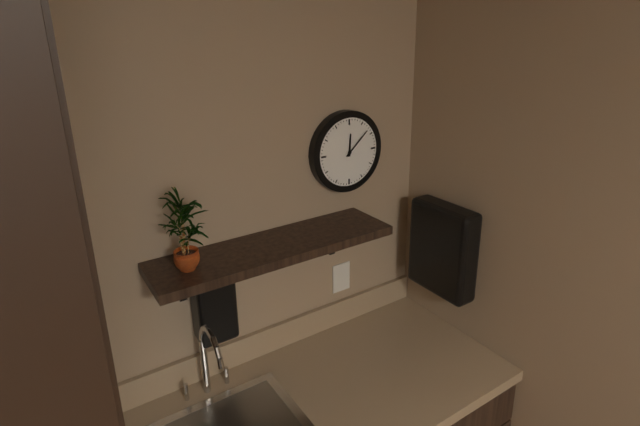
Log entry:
h=12 m=8
